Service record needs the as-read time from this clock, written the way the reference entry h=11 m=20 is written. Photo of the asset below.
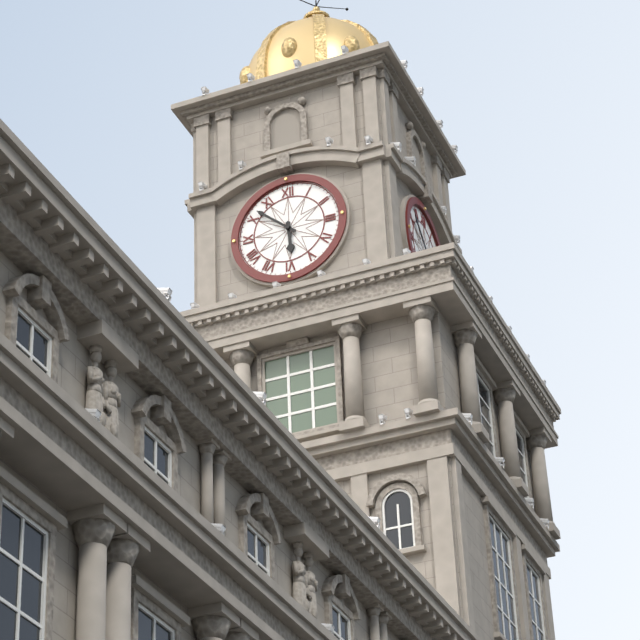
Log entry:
h=5 m=52
